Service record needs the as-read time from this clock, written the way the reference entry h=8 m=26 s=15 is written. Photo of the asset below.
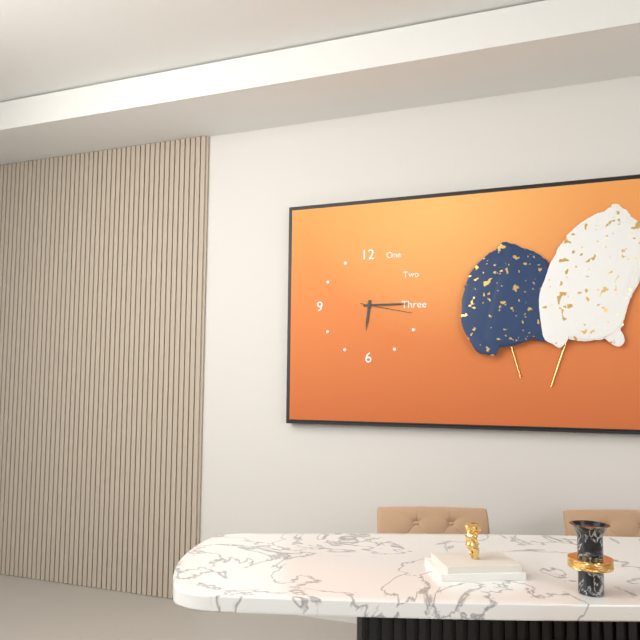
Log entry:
h=6 m=15 s=17
